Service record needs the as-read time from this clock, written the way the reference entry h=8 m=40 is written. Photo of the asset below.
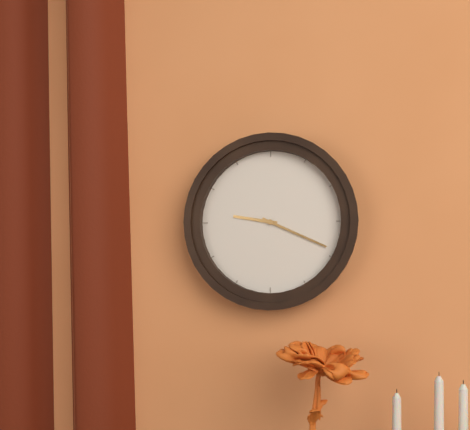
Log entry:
h=9 m=19
